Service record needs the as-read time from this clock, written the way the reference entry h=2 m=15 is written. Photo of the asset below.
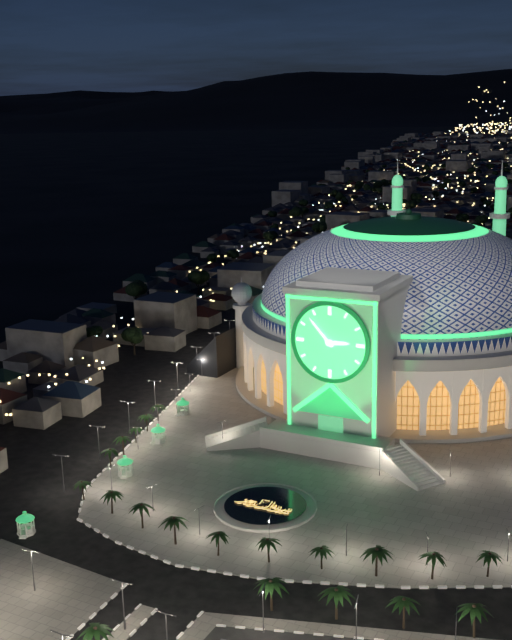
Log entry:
h=2 m=53
